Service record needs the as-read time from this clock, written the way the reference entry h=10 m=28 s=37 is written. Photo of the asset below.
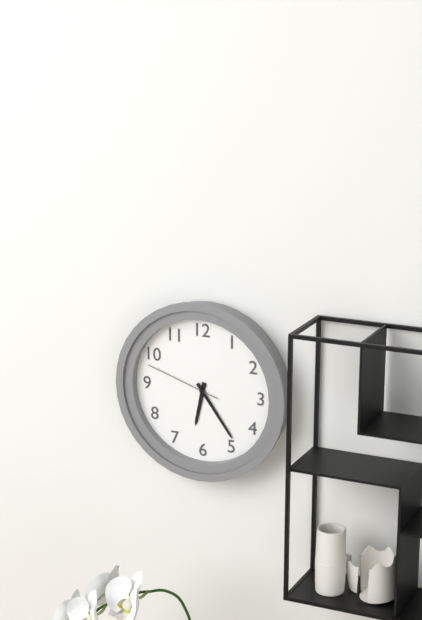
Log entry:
h=6 m=24 s=48
